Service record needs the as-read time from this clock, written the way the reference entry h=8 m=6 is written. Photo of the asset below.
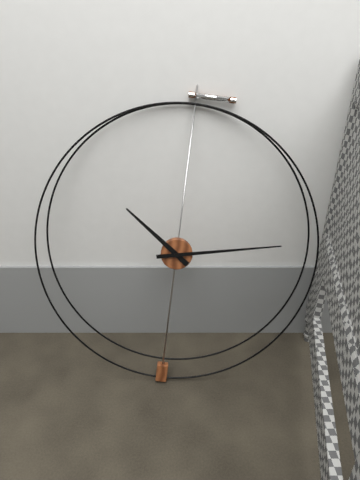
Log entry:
h=10 m=13
